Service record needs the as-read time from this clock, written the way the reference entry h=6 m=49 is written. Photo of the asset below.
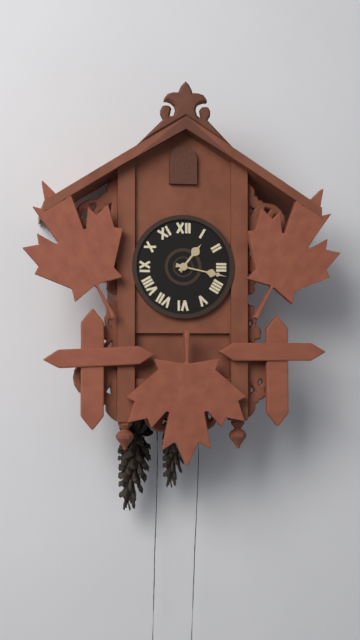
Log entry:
h=1 m=17
